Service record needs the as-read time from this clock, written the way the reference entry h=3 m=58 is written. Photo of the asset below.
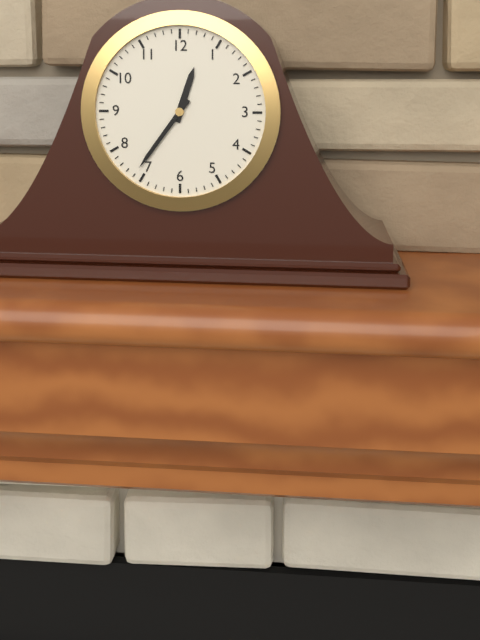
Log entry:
h=12 m=36
